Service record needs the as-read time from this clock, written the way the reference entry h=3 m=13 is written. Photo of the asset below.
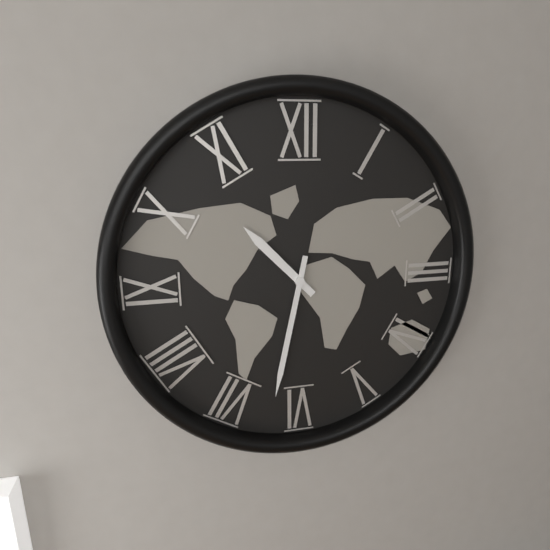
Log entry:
h=10 m=32
